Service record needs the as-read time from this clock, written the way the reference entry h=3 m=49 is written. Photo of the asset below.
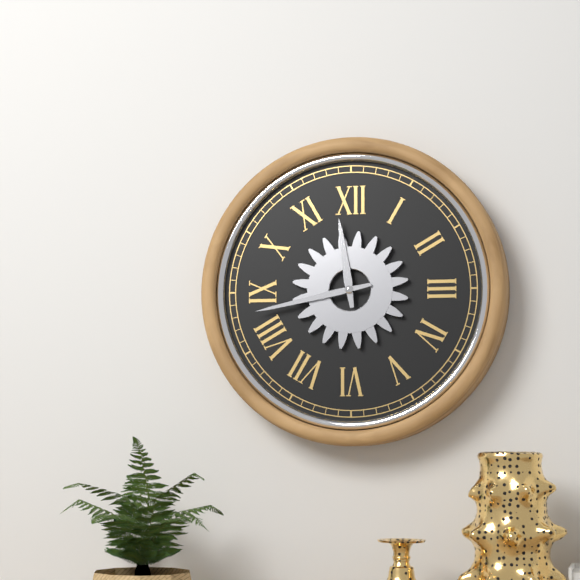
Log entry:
h=11 m=43
